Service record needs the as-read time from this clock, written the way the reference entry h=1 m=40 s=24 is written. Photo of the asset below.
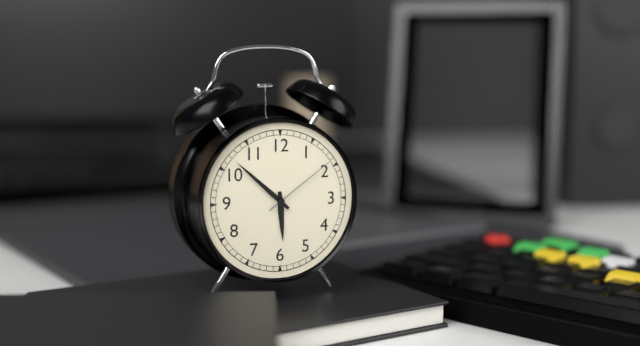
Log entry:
h=5 m=52 s=9
